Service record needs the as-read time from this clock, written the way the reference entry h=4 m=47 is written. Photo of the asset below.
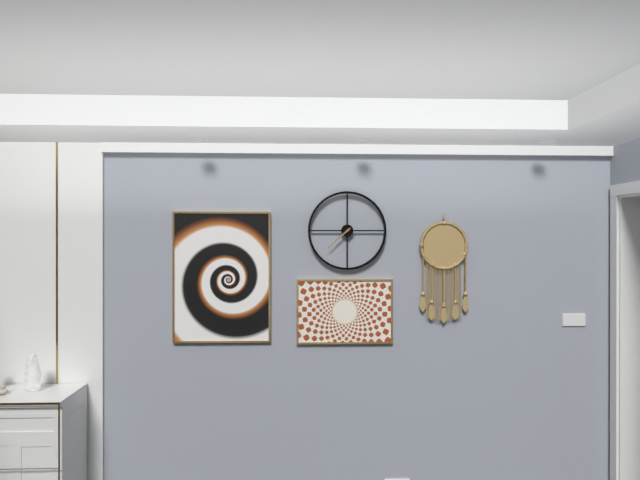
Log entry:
h=7 m=38
